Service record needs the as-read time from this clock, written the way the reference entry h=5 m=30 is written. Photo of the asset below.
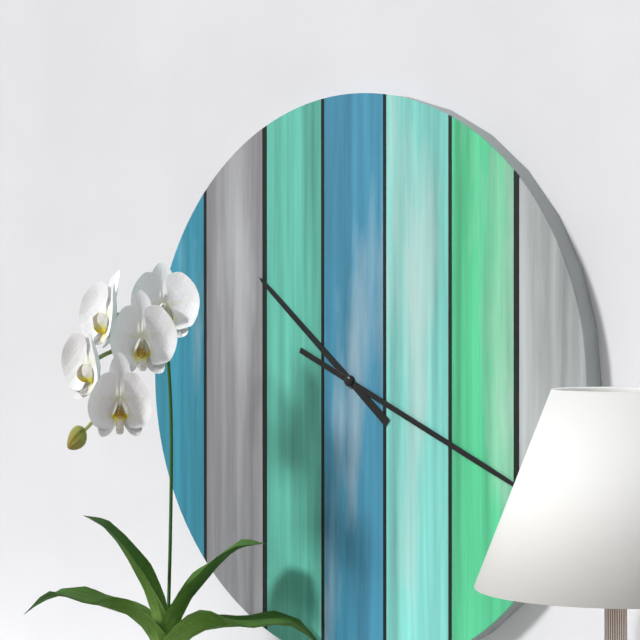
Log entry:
h=10 m=19
